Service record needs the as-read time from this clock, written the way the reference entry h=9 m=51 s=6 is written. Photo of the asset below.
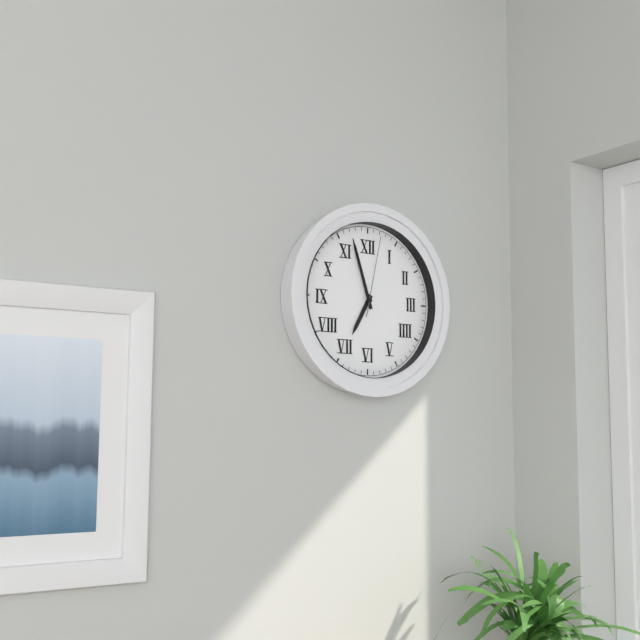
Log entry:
h=6 m=57 s=2
